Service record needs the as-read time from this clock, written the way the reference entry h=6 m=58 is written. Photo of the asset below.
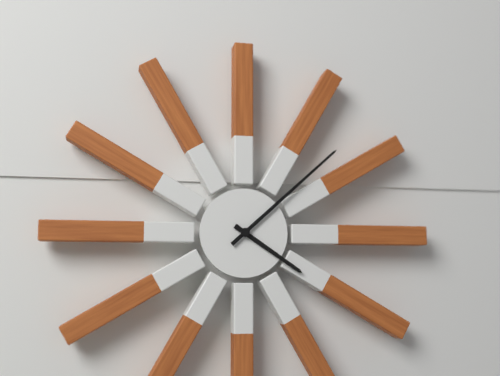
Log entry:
h=4 m=8
